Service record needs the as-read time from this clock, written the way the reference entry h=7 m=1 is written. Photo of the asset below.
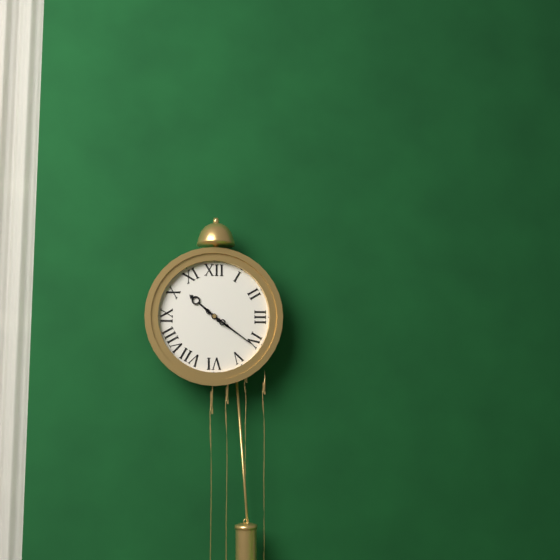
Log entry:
h=10 m=21
